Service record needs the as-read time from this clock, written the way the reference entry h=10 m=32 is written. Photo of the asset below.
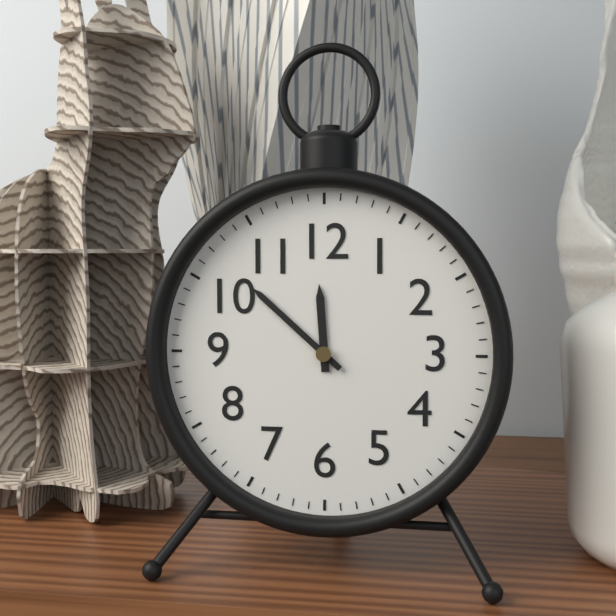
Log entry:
h=11 m=52
